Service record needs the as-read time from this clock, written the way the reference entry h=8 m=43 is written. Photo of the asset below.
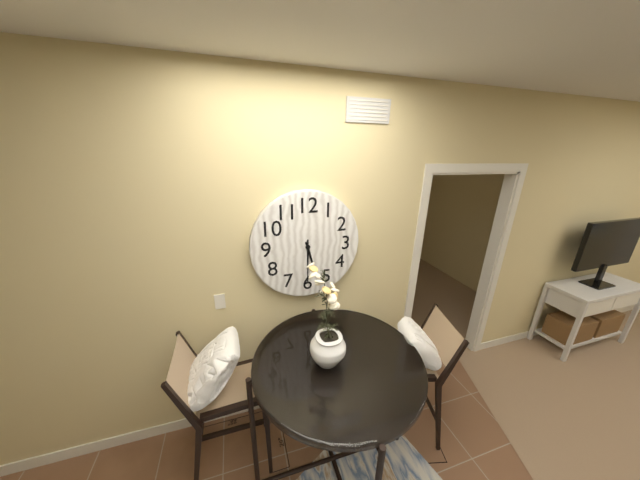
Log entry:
h=5 m=30
